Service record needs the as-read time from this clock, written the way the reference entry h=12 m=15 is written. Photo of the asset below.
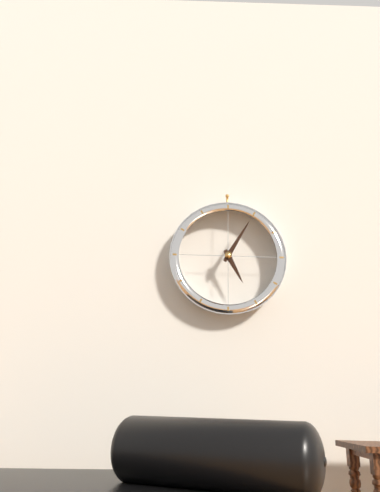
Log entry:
h=5 m=5
